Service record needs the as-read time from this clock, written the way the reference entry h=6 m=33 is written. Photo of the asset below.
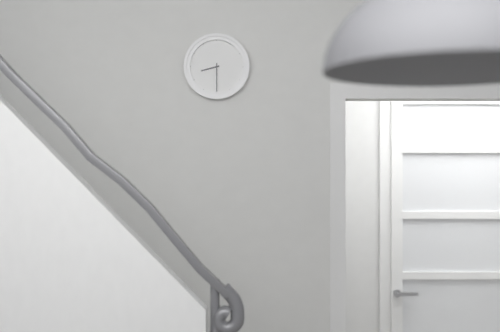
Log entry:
h=8 m=30
